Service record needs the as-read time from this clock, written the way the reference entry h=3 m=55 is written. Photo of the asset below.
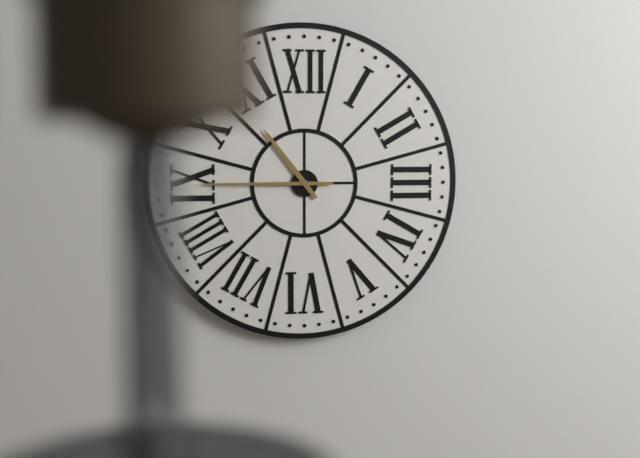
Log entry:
h=10 m=45
